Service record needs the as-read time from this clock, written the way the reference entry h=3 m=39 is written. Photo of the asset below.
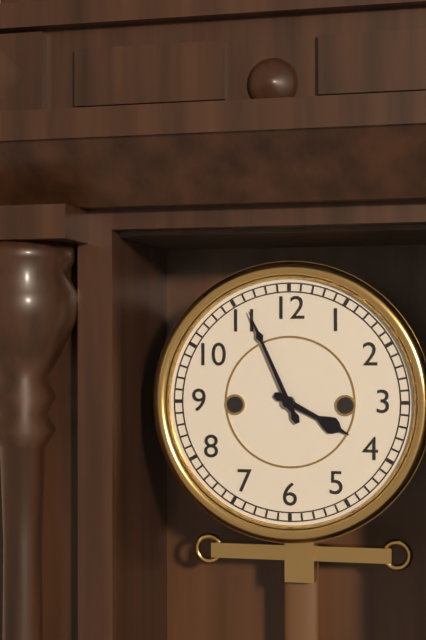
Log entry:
h=3 m=56
